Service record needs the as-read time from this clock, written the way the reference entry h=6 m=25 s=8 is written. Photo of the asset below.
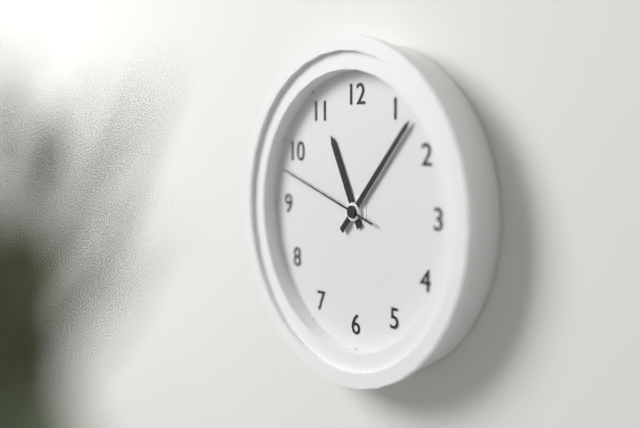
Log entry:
h=11 m=7 s=48
